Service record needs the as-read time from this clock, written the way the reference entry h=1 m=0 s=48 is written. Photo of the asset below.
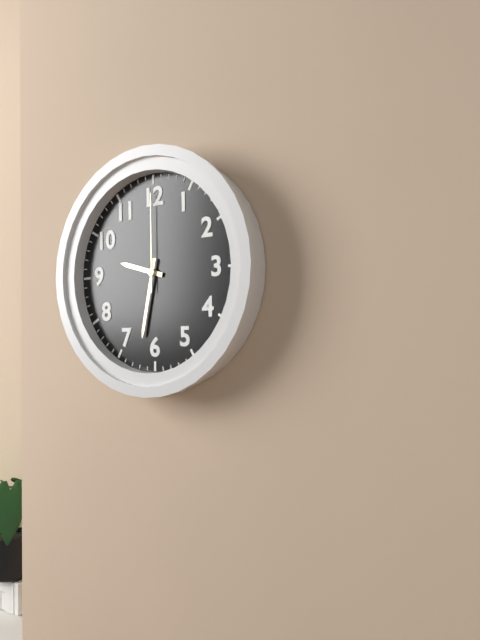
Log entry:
h=9 m=32 s=0
